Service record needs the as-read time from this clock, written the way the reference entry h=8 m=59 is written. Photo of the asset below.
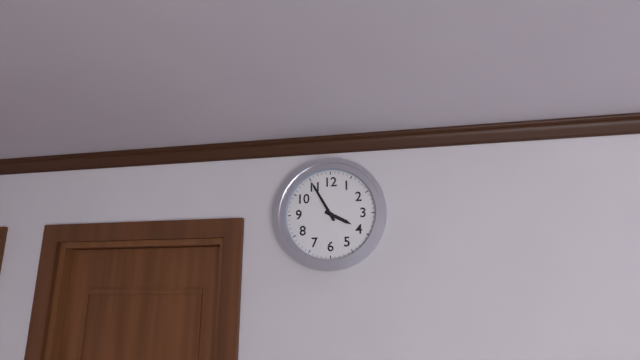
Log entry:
h=3 m=55
